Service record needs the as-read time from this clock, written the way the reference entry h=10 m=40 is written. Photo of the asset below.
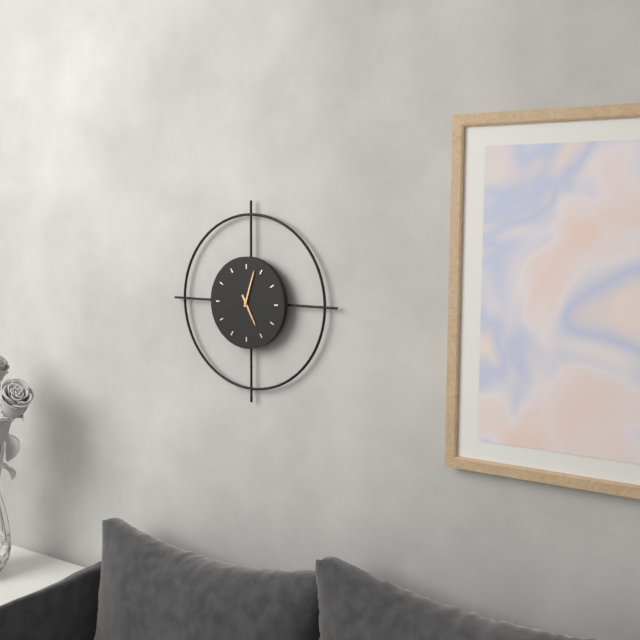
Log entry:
h=5 m=3
